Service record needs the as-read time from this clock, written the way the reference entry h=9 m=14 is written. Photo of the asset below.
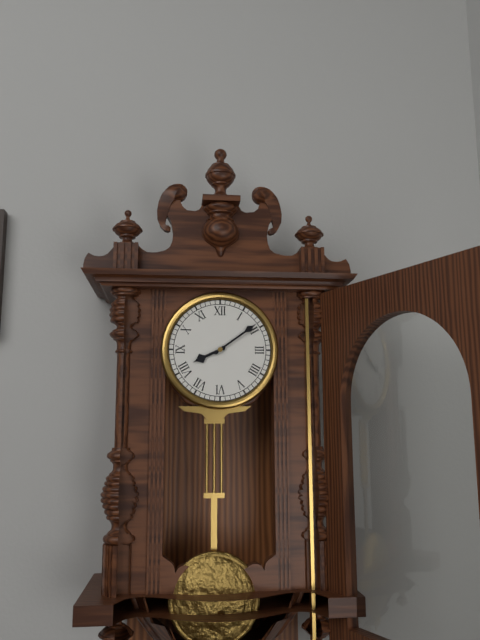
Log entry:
h=8 m=9
